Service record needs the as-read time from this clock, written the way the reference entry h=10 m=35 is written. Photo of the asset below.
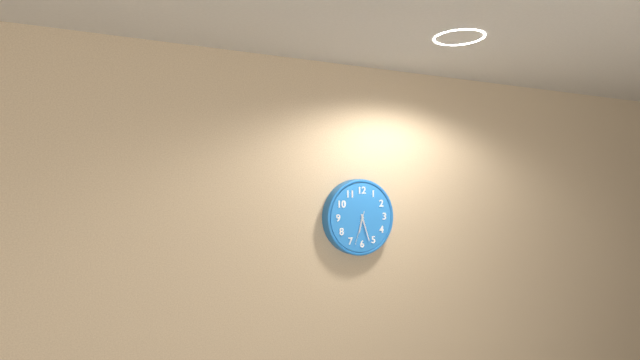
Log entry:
h=6 m=27
